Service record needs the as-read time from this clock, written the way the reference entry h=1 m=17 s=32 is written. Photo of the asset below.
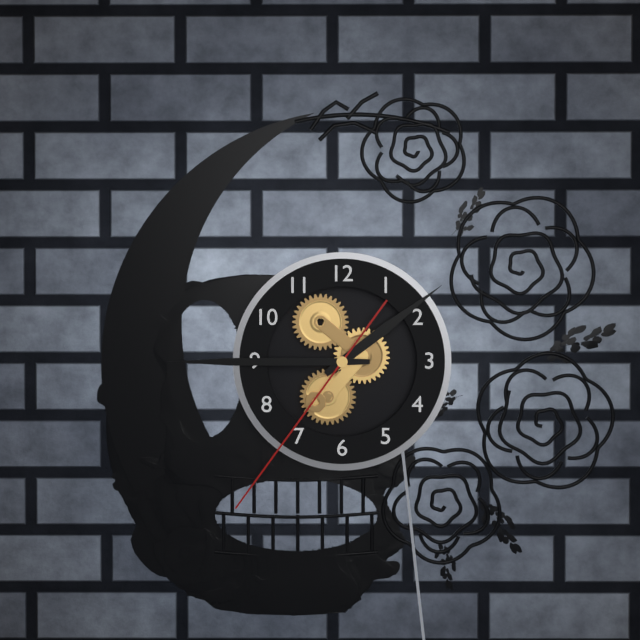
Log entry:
h=1 m=45 s=36
